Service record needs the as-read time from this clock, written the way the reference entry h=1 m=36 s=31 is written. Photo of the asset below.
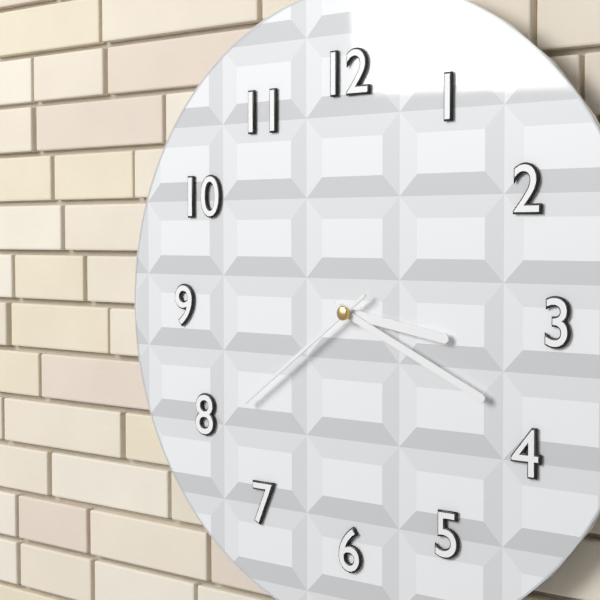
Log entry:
h=3 m=19 s=39
